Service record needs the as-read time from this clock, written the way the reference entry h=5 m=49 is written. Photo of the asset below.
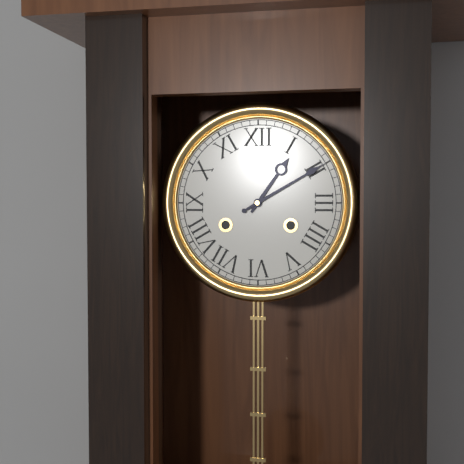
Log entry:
h=1 m=10
